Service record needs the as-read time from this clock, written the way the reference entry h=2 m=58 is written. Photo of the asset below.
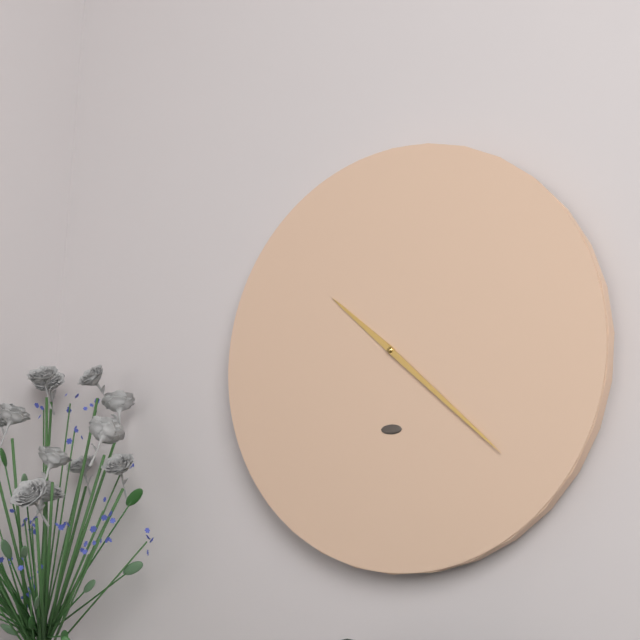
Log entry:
h=10 m=22
